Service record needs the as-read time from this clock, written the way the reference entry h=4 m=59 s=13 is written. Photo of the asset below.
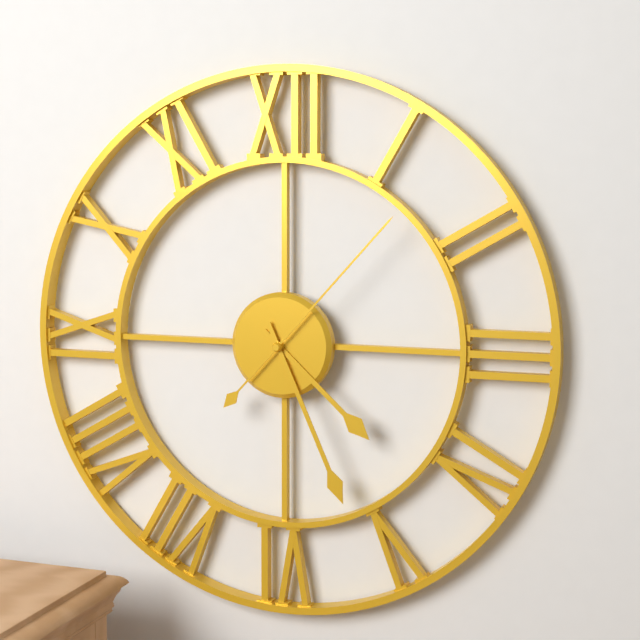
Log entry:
h=4 m=26 s=7
